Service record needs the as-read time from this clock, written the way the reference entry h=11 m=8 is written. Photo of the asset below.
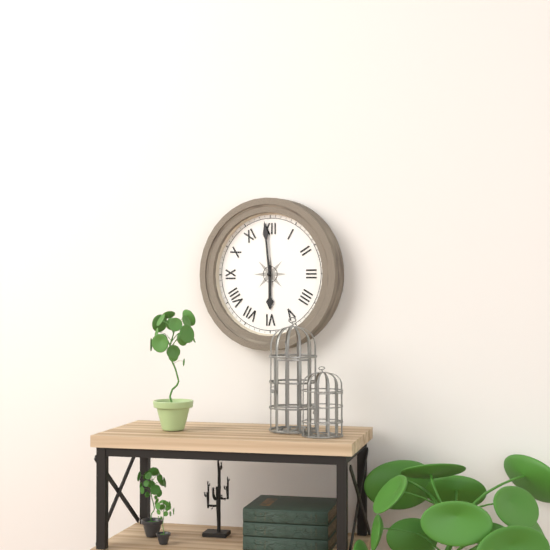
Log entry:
h=5 m=59
